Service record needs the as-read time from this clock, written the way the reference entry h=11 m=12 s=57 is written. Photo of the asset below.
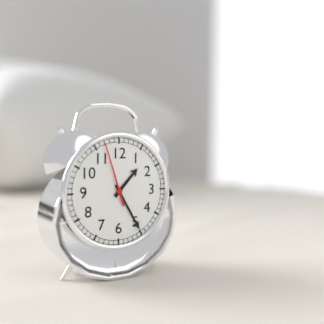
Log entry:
h=1 m=25 s=57
